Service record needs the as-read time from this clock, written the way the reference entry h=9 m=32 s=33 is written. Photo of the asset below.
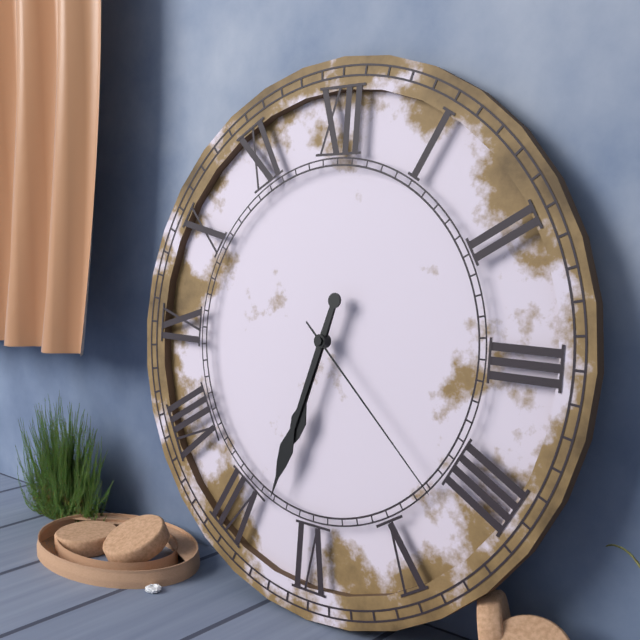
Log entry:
h=6 m=33 s=22
